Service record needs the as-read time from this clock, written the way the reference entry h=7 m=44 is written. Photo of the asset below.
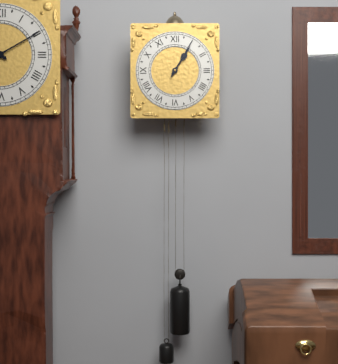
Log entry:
h=1 m=5
